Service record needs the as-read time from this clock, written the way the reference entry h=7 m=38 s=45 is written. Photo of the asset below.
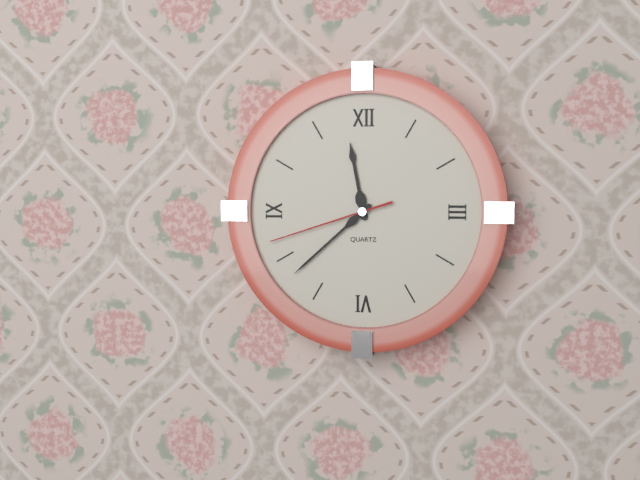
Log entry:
h=11 m=38 s=42
